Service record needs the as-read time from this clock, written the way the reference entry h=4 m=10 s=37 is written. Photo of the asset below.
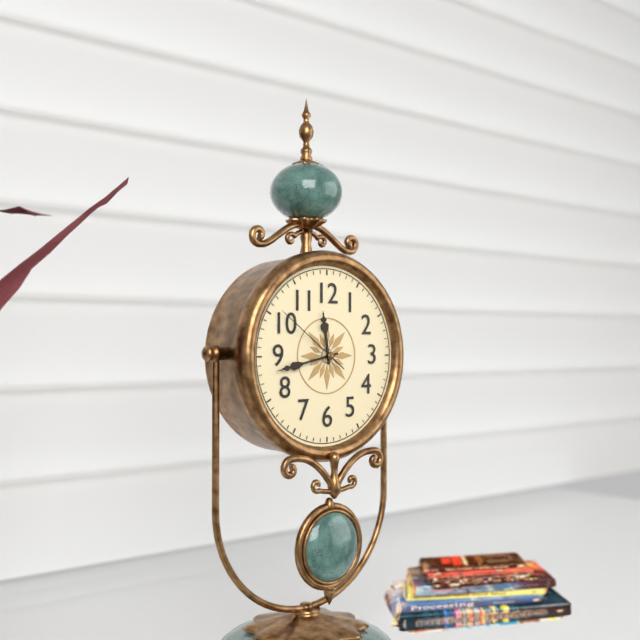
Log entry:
h=11 m=43 s=51
